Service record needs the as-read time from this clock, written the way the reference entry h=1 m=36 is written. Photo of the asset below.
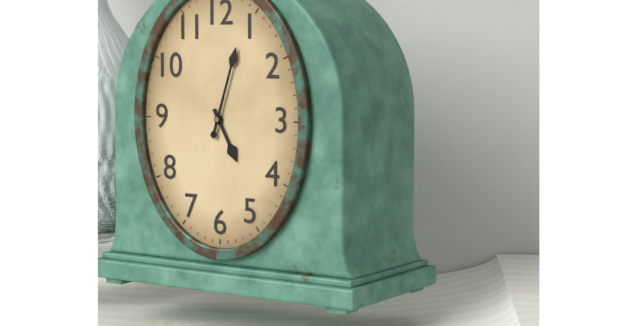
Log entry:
h=5 m=3
